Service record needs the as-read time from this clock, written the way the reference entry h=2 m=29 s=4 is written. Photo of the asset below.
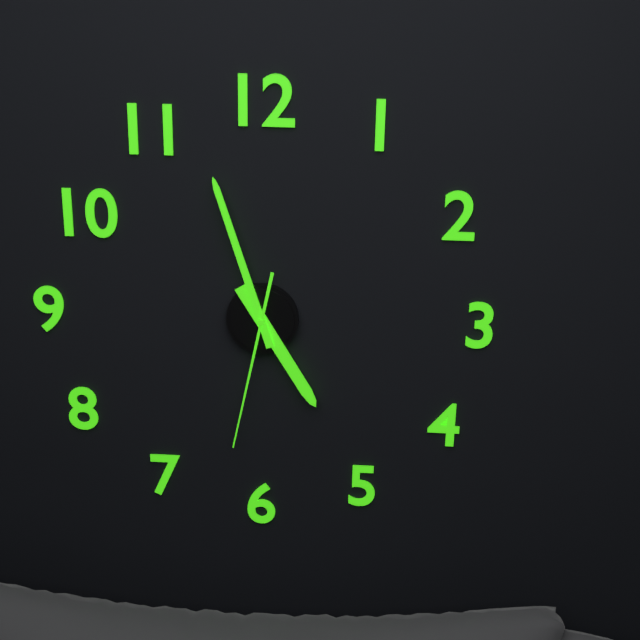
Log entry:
h=4 m=57 s=32
